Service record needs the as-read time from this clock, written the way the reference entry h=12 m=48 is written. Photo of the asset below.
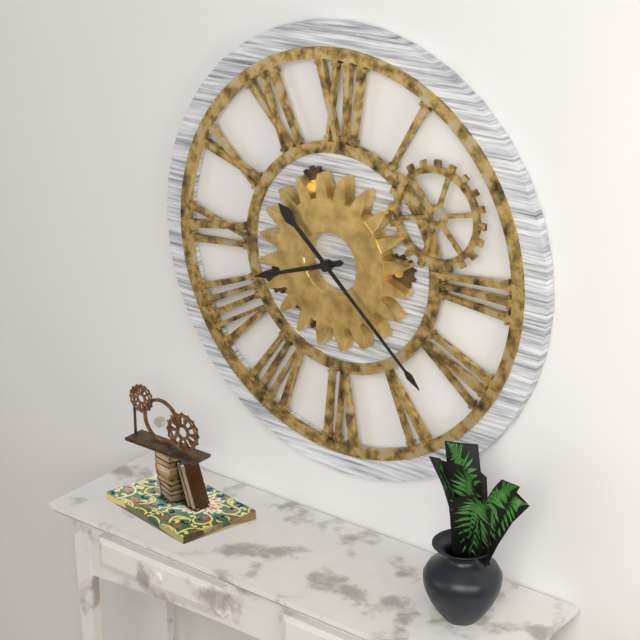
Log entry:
h=8 m=22
